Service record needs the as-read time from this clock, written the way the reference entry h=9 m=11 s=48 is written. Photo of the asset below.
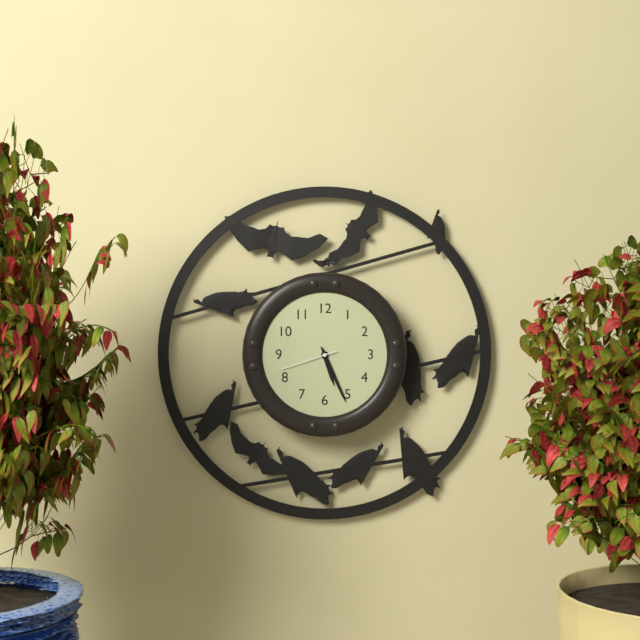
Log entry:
h=5 m=26 s=42
